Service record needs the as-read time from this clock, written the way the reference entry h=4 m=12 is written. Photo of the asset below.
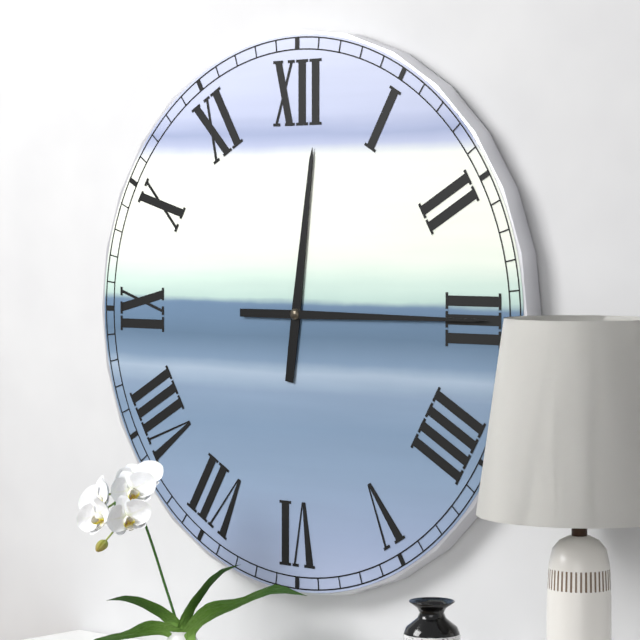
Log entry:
h=12 m=15
